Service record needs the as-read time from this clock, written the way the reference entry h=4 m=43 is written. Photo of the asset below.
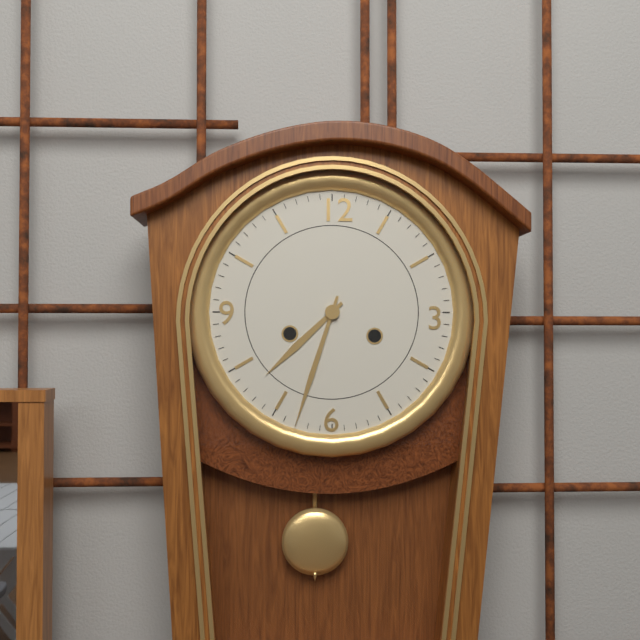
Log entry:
h=7 m=33
